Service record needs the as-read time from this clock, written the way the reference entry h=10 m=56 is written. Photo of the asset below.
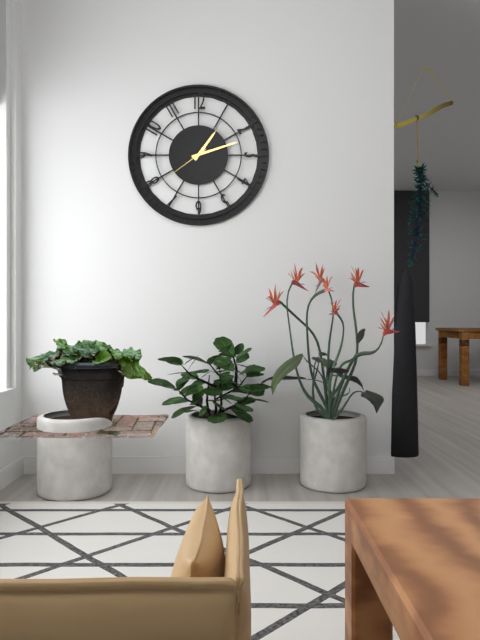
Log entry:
h=1 m=12
